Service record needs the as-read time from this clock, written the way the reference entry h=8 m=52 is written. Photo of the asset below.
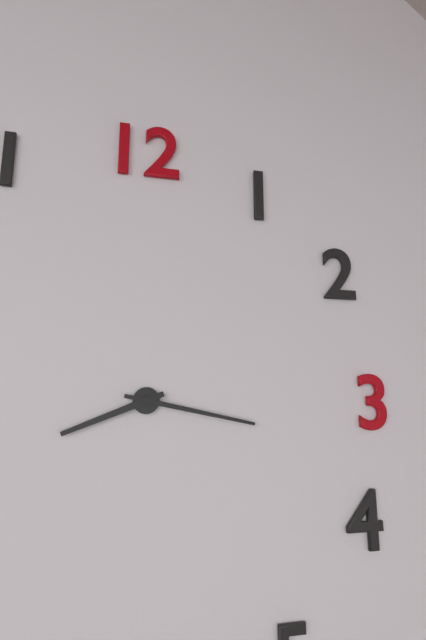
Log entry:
h=8 m=17
